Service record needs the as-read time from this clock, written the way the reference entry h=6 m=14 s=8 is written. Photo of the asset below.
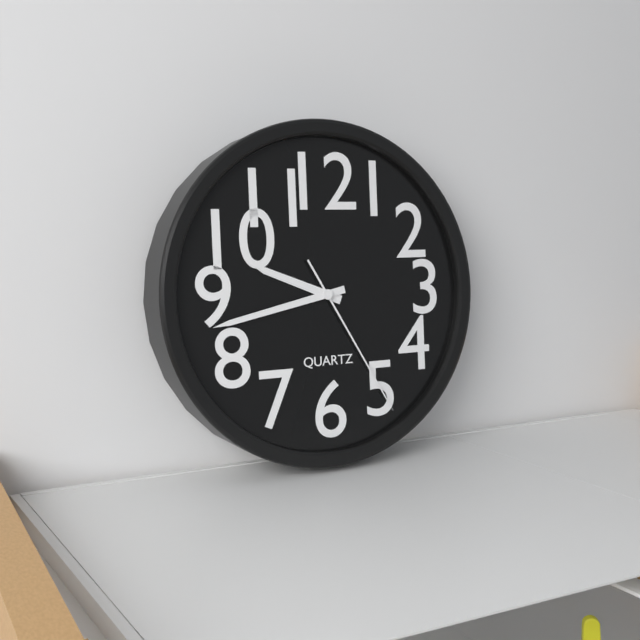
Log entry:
h=9 m=43 s=25
